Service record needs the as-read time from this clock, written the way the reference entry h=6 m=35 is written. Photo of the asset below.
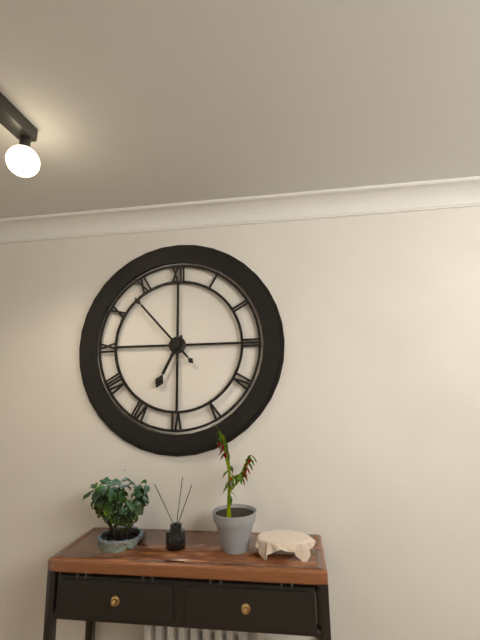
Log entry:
h=6 m=53
